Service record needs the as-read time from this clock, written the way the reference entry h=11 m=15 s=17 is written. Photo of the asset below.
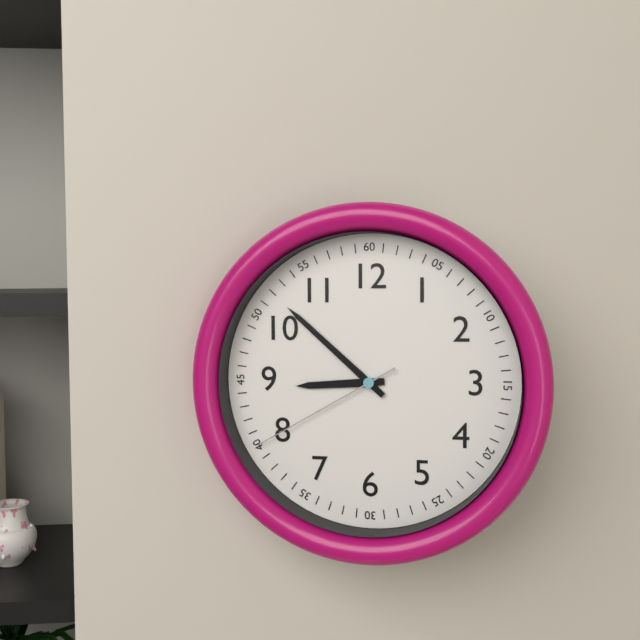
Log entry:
h=8 m=52 s=40
